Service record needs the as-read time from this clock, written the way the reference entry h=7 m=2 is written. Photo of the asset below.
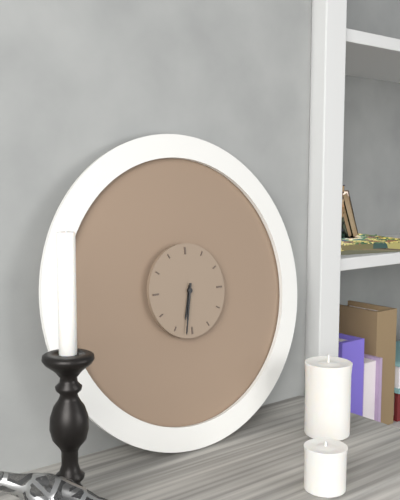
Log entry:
h=6 m=32
